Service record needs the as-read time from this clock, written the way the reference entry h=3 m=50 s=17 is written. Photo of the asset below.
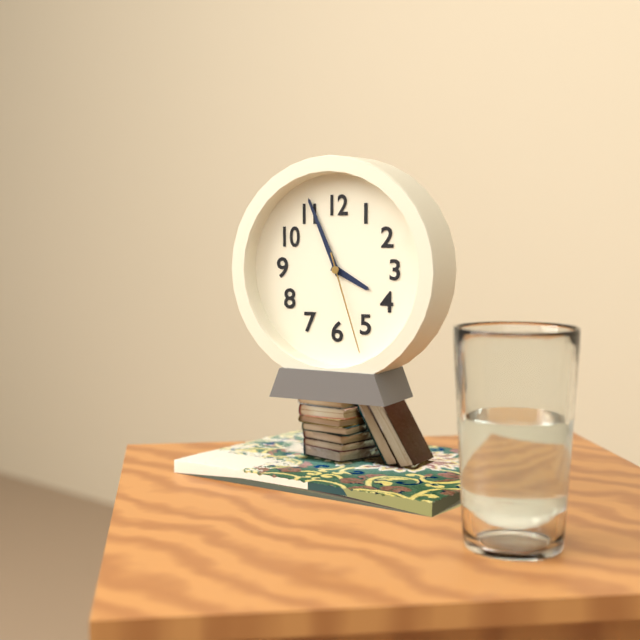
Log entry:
h=3 m=56 s=27
